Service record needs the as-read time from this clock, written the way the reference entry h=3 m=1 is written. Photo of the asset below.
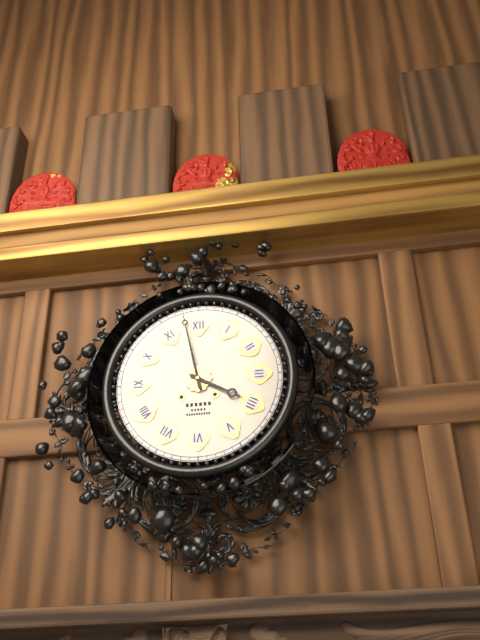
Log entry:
h=3 m=58
